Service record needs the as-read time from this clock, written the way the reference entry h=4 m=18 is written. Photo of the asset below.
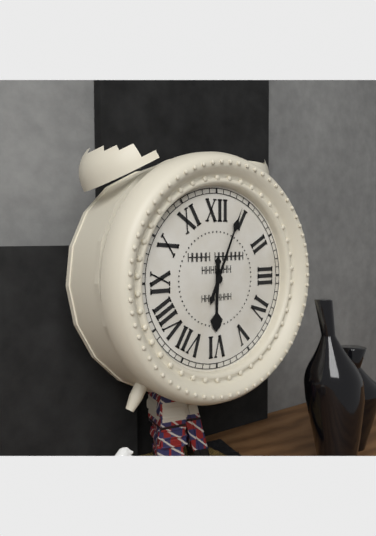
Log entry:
h=6 m=4
